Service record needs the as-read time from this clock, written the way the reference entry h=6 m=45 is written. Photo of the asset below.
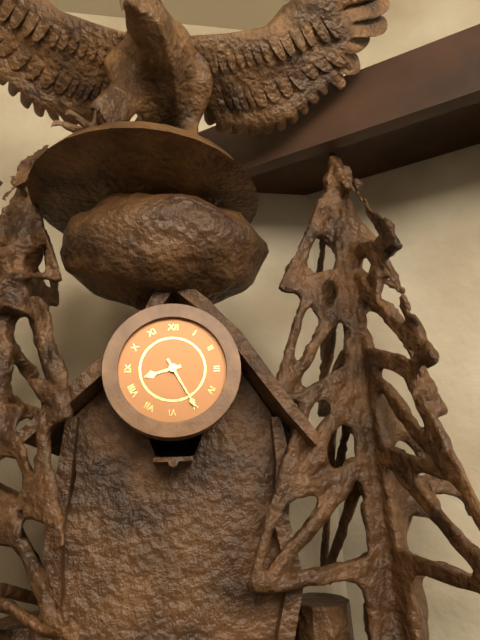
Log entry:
h=8 m=25
